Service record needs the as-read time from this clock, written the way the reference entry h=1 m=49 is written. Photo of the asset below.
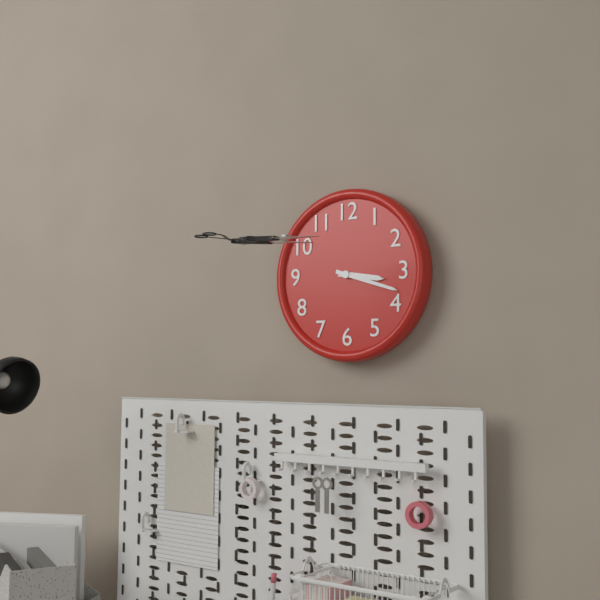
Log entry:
h=3 m=18
